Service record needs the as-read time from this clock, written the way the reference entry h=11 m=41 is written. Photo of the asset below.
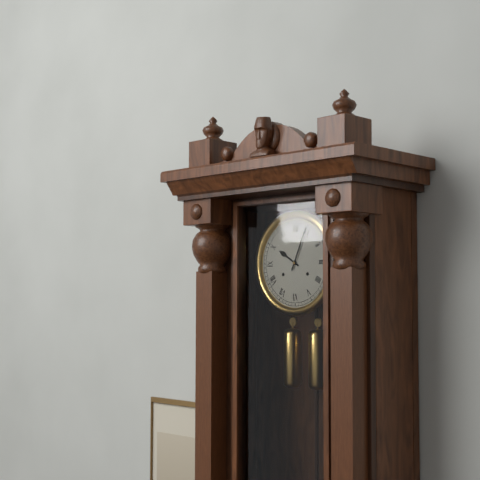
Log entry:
h=10 m=4
